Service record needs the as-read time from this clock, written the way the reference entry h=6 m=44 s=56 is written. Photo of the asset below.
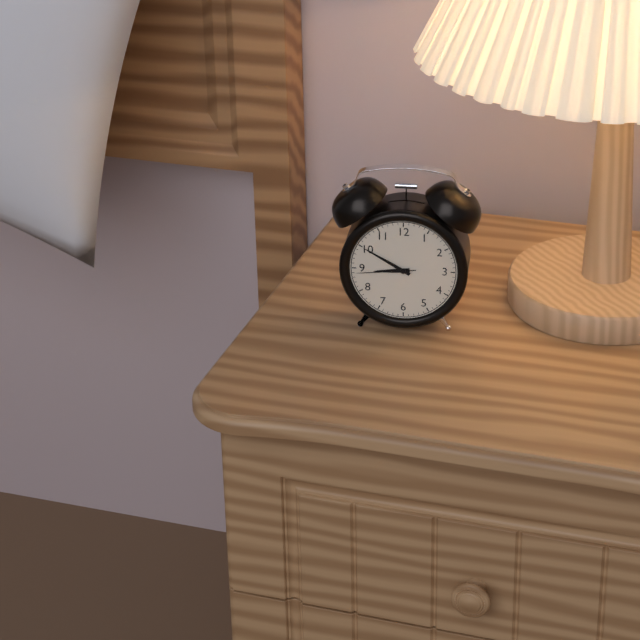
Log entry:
h=8 m=50 s=44
